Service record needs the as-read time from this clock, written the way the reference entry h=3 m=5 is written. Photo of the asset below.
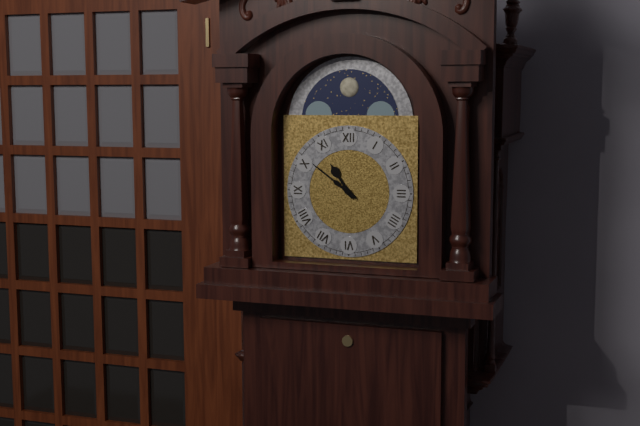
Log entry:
h=10 m=51
